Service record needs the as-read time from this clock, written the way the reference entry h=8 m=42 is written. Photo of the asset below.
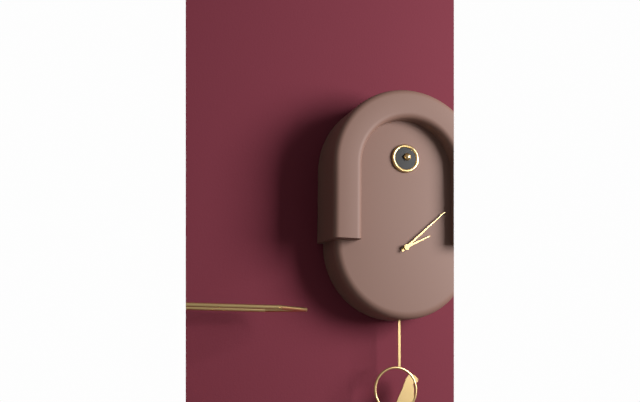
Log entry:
h=2 m=8
